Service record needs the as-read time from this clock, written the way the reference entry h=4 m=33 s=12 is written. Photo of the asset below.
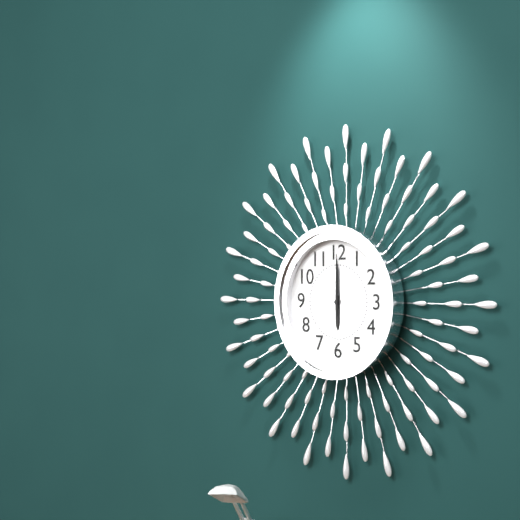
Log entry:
h=6 m=0 s=0
